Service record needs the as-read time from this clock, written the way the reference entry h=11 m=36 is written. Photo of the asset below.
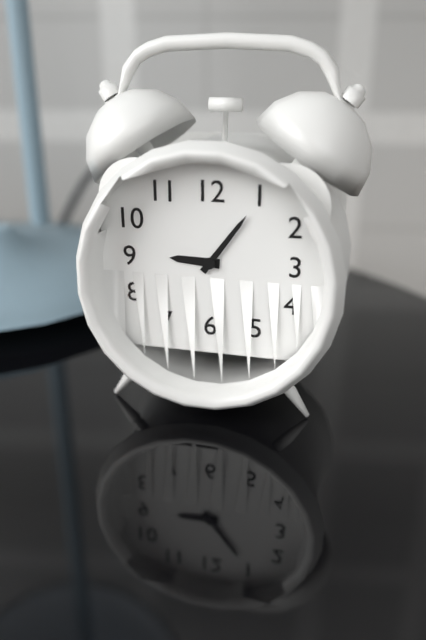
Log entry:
h=9 m=6
